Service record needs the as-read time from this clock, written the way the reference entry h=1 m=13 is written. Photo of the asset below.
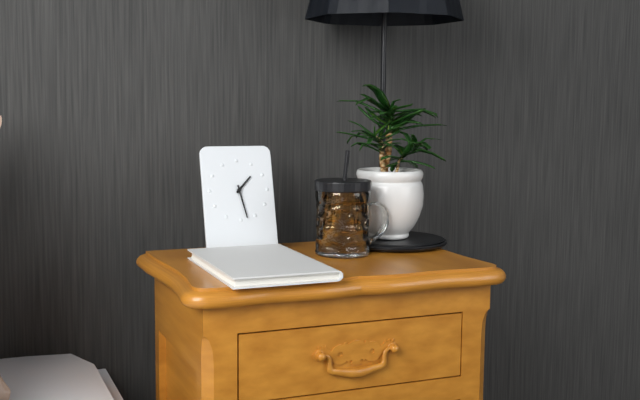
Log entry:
h=1 m=28
